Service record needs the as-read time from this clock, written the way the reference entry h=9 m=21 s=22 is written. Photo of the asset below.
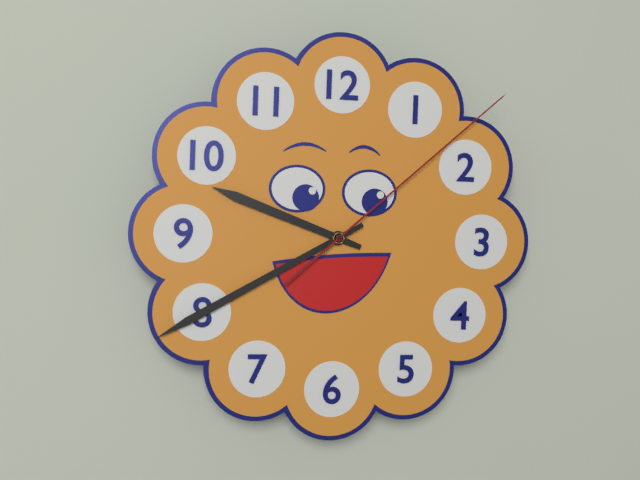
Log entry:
h=9 m=40 s=8
